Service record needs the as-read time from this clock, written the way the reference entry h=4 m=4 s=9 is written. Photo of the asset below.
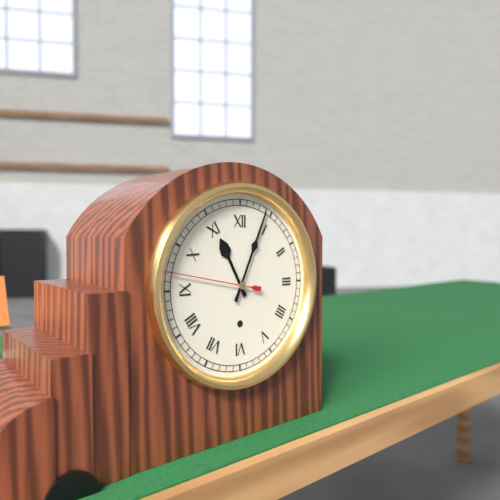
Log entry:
h=11 m=4 s=47
